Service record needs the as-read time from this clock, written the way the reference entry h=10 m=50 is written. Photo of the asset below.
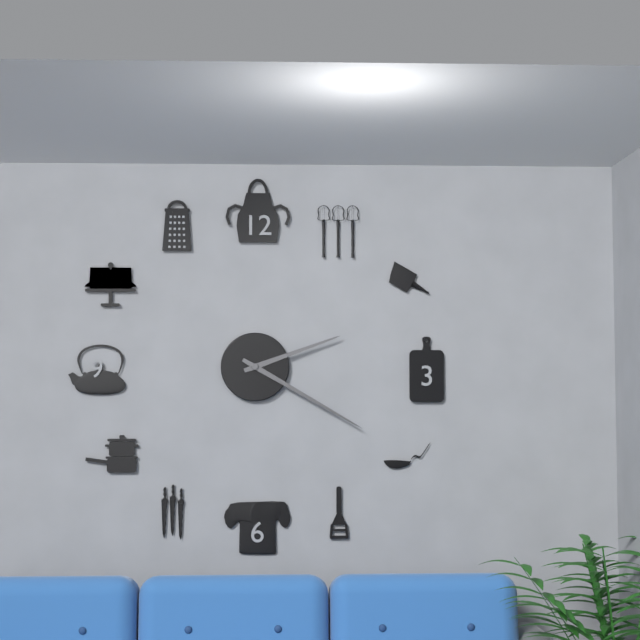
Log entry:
h=2 m=20
